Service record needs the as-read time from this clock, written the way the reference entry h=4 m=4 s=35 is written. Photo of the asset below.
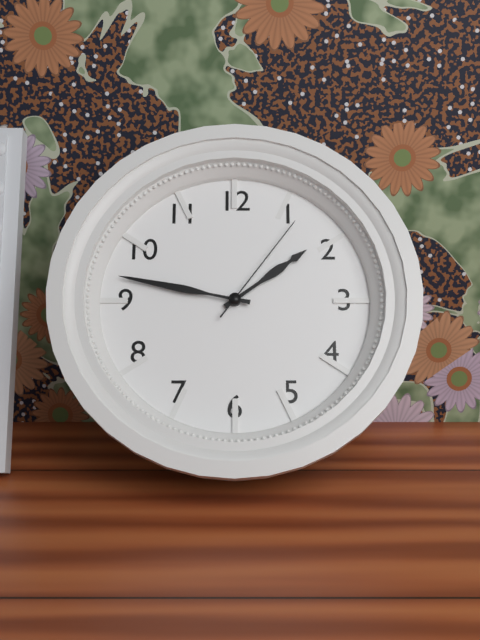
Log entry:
h=1 m=47 s=6
